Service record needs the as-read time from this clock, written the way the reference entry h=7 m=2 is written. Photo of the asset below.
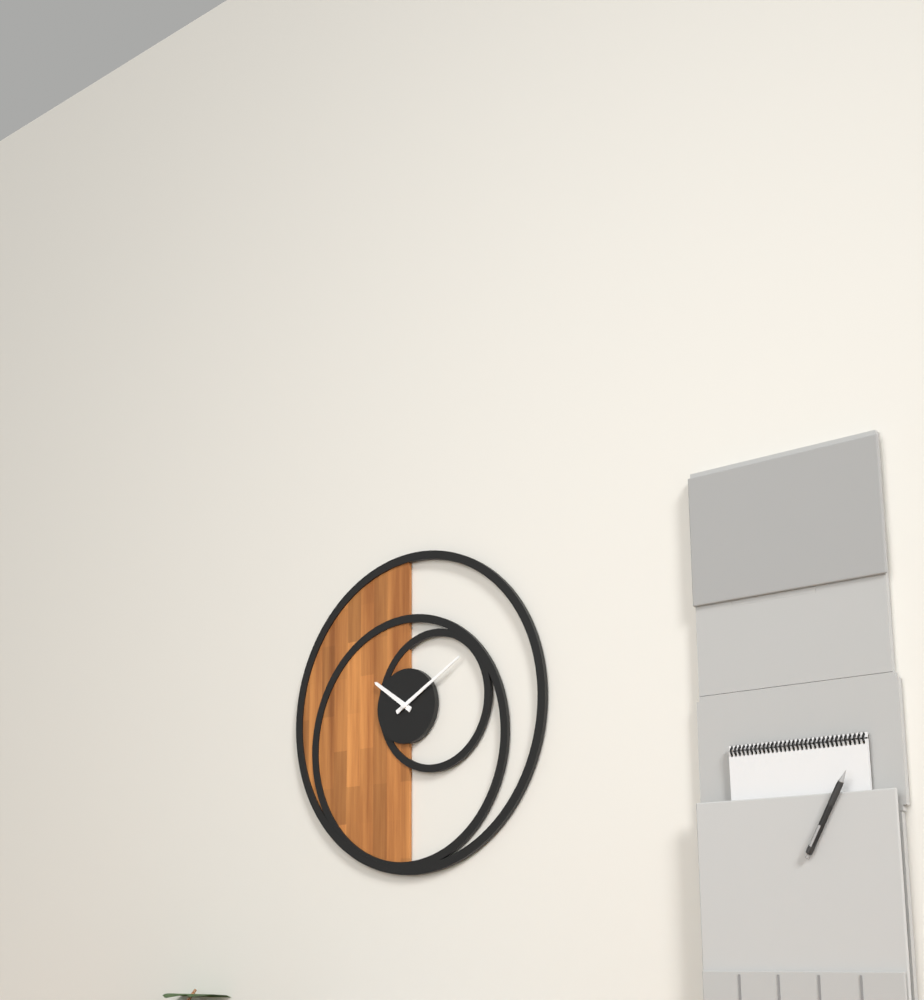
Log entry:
h=10 m=10
